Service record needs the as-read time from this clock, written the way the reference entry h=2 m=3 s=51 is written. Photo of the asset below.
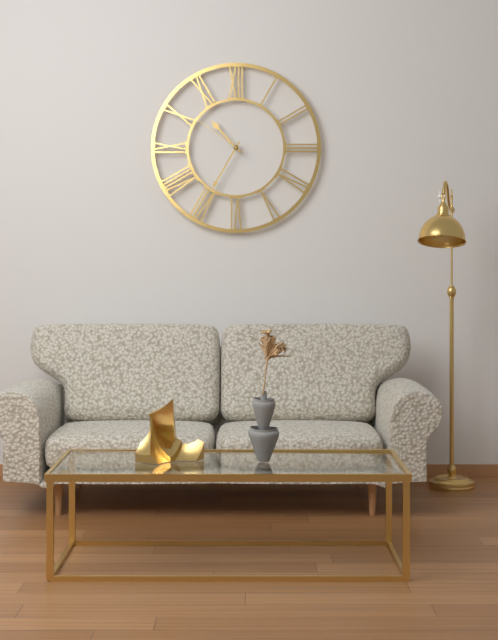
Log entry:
h=10 m=35 s=51
